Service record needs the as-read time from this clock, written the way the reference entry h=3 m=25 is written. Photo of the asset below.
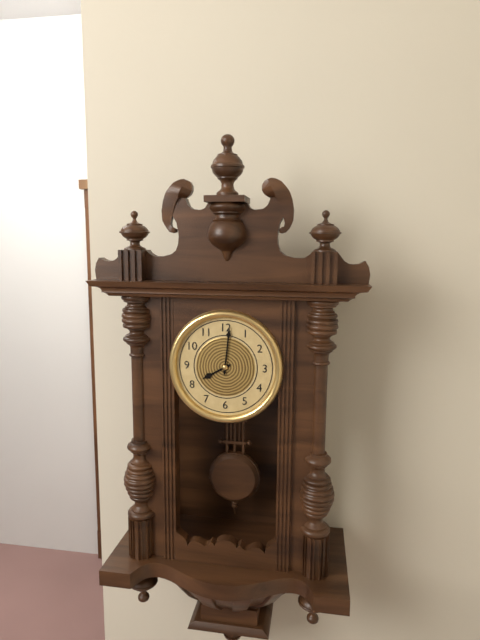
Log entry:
h=8 m=1
